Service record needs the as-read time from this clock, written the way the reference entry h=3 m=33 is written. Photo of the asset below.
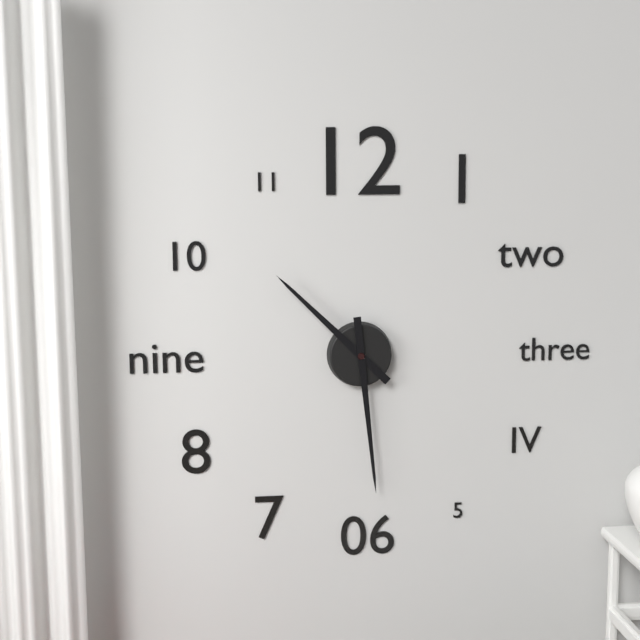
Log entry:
h=10 m=29
